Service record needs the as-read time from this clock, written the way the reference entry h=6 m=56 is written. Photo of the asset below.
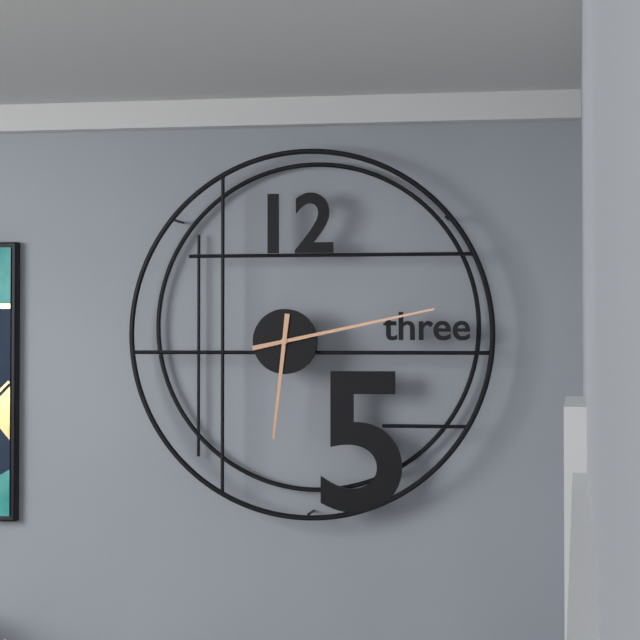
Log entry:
h=6 m=13
